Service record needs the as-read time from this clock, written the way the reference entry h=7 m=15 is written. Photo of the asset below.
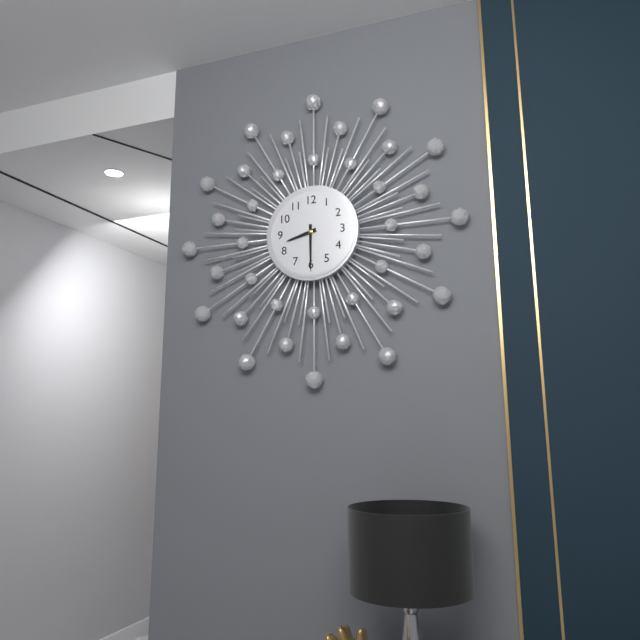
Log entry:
h=8 m=30
